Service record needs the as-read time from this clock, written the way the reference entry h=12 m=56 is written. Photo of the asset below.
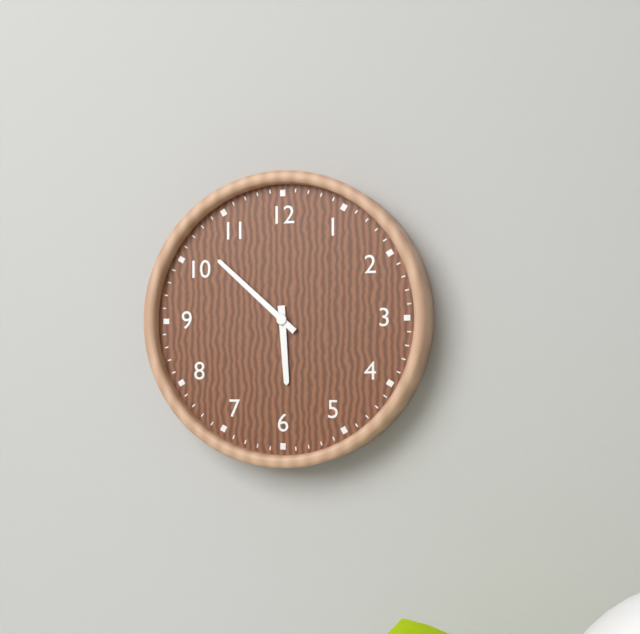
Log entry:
h=5 m=52
